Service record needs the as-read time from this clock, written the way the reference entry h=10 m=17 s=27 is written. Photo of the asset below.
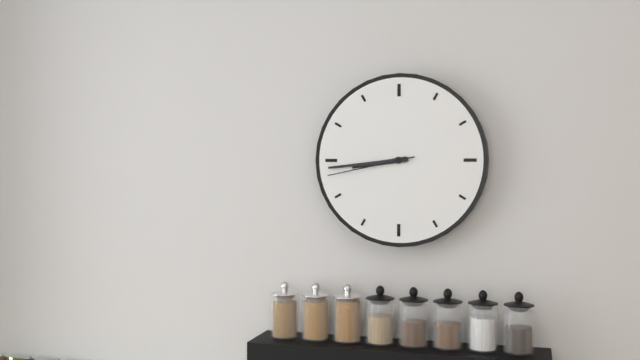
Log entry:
h=8 m=44 s=43
